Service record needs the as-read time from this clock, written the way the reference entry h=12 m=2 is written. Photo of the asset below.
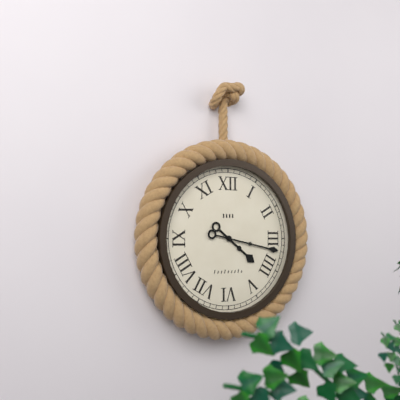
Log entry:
h=4 m=17
